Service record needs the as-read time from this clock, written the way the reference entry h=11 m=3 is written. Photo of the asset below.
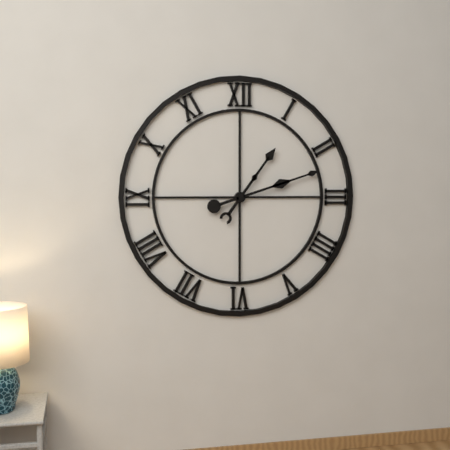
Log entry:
h=1 m=12
